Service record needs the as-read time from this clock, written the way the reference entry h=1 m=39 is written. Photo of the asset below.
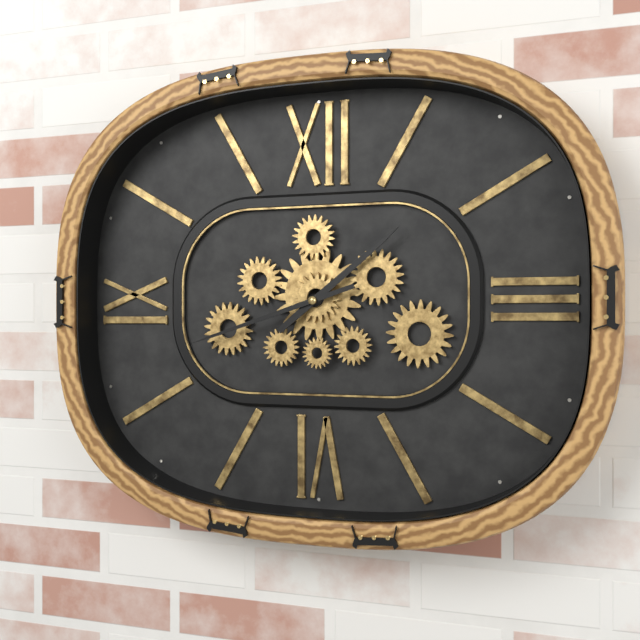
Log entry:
h=1 m=42
